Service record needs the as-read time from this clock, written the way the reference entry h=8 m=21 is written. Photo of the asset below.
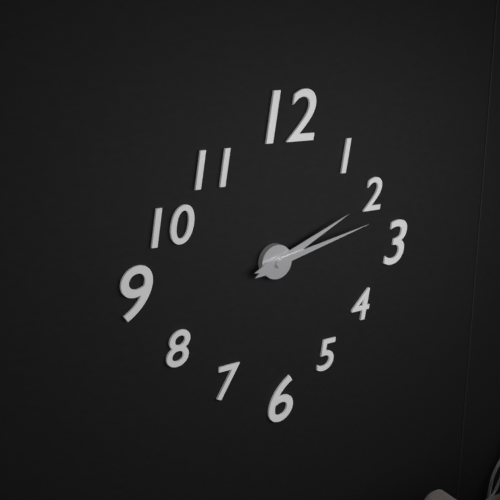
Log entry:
h=2 m=13
